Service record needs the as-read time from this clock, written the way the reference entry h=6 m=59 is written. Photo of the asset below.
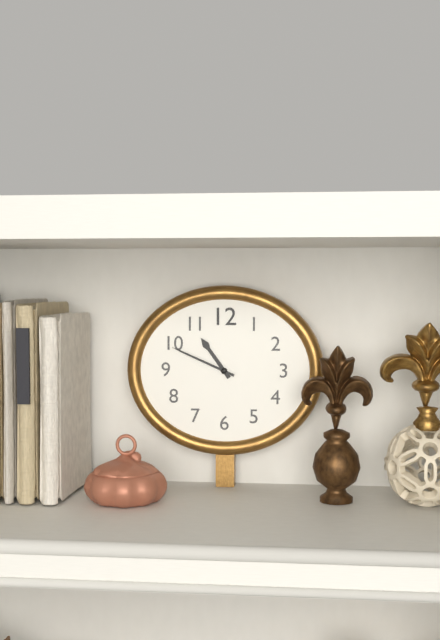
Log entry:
h=10 m=49
